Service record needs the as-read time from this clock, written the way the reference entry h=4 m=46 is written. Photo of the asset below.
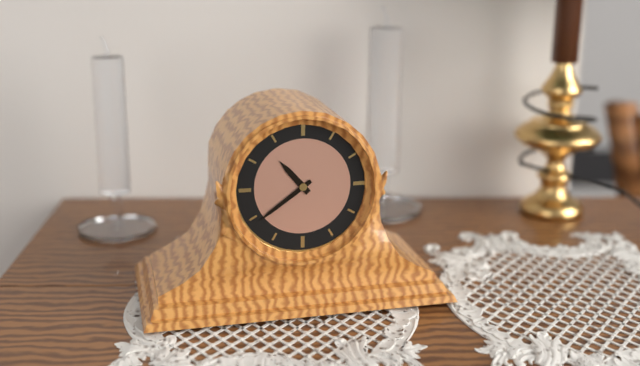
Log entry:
h=10 m=39
